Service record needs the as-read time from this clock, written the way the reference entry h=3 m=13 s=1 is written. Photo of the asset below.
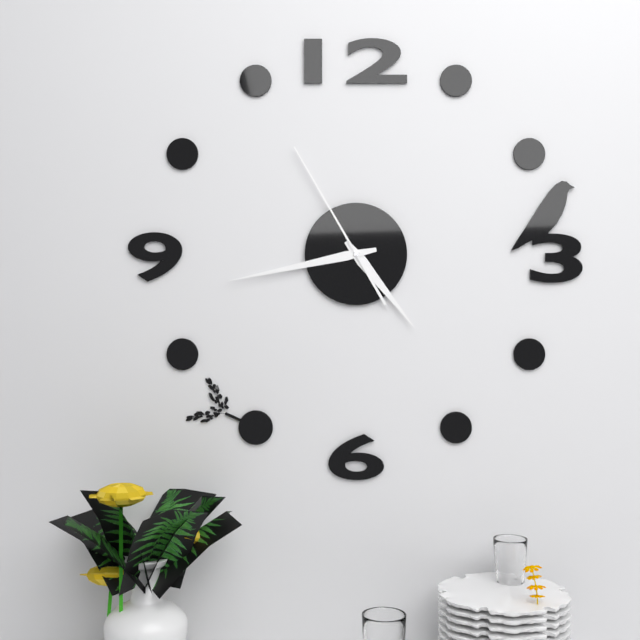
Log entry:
h=4 m=43 s=55
